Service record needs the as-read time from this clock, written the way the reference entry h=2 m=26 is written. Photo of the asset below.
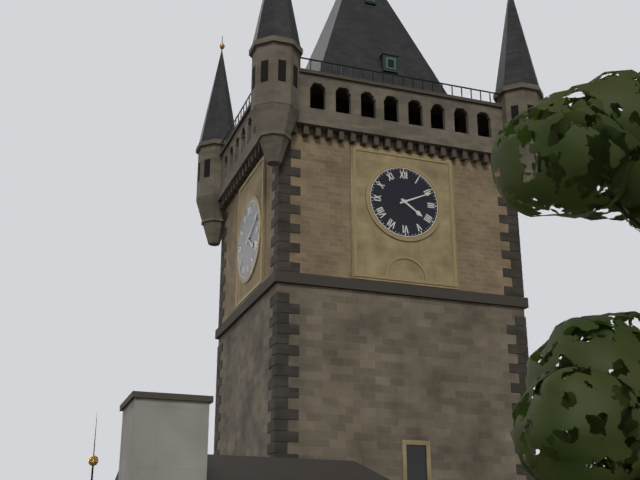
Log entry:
h=4 m=11
